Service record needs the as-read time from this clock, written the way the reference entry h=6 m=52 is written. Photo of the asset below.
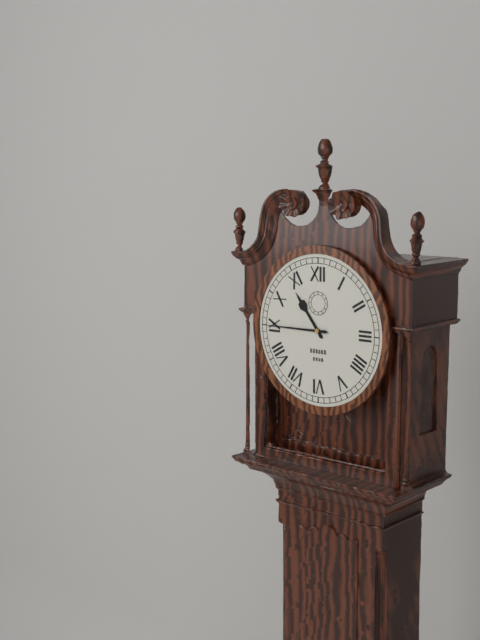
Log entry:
h=10 m=45
